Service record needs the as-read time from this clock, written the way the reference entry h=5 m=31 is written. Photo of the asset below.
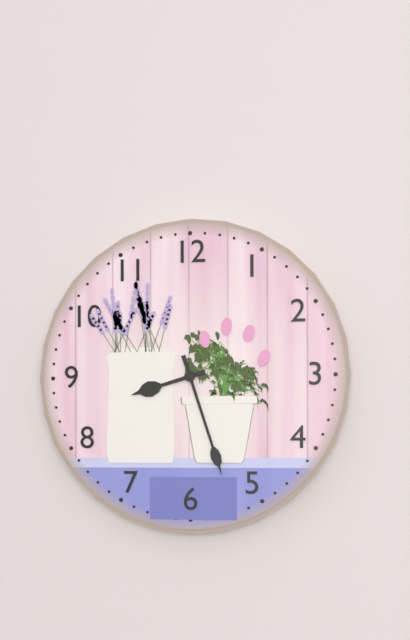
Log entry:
h=8 m=27
